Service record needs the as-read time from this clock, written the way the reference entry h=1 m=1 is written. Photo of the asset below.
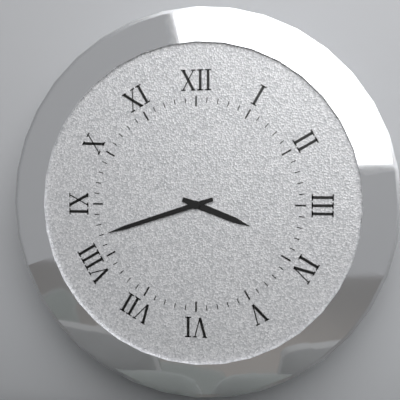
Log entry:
h=3 m=42
